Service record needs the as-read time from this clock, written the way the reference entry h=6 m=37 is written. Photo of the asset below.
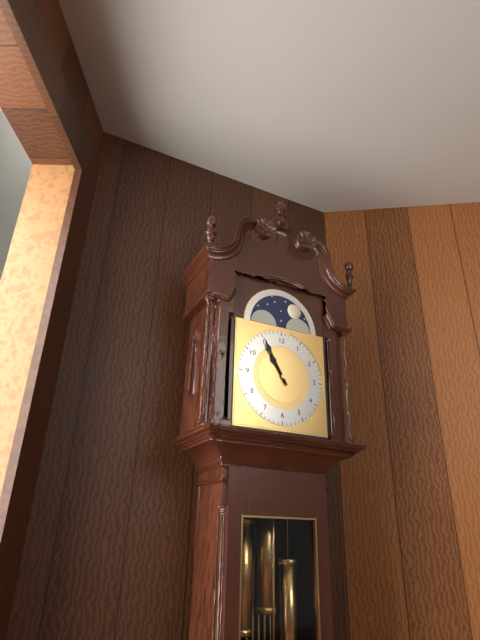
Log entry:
h=10 m=55
